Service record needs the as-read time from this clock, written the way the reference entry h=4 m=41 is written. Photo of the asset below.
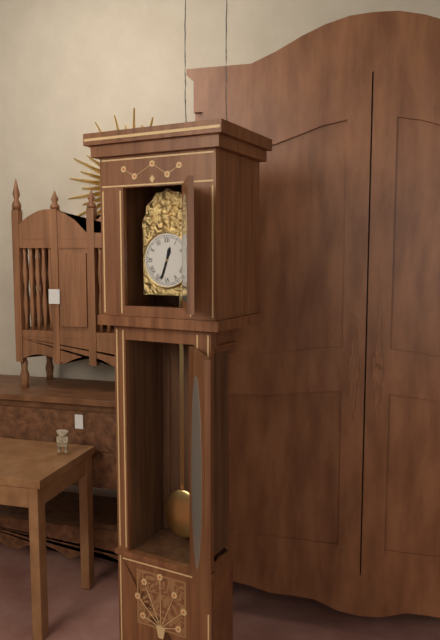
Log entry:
h=12 m=33
